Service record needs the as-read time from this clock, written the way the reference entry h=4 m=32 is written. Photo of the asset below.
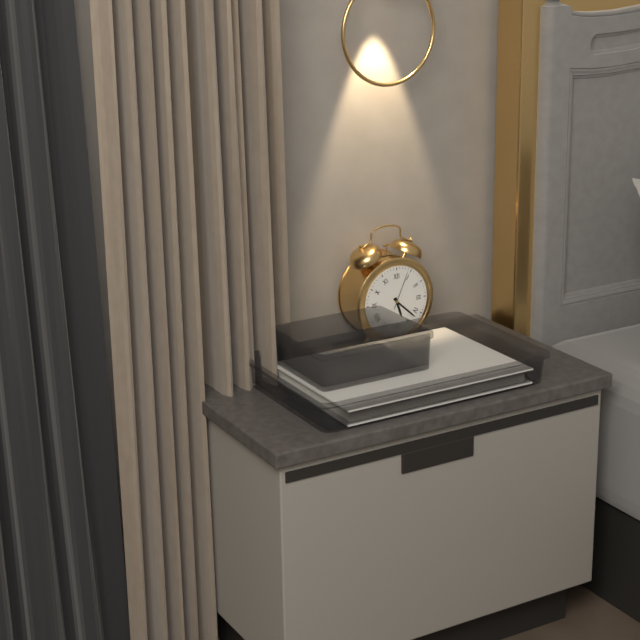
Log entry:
h=5 m=22
